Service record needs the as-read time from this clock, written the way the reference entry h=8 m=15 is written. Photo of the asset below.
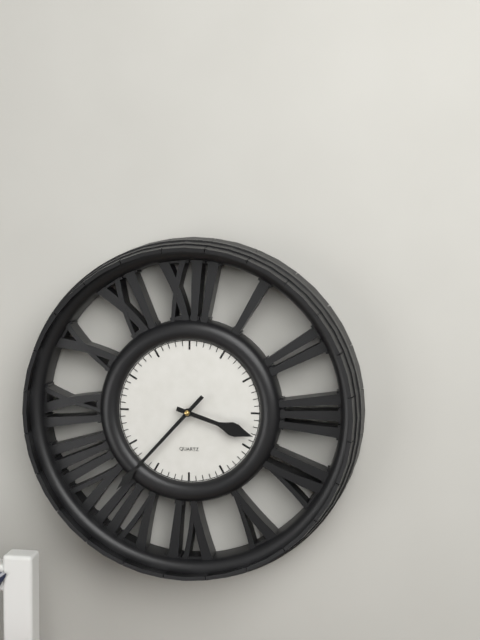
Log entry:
h=3 m=37
